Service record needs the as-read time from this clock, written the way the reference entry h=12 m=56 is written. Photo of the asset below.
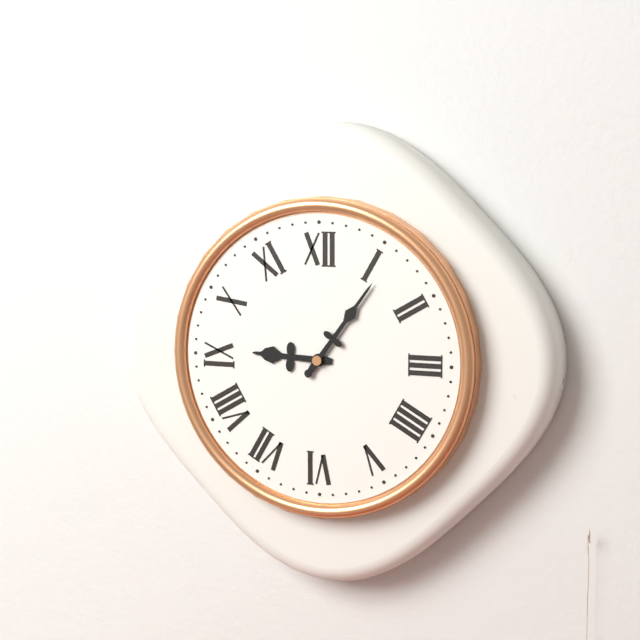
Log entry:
h=9 m=6
